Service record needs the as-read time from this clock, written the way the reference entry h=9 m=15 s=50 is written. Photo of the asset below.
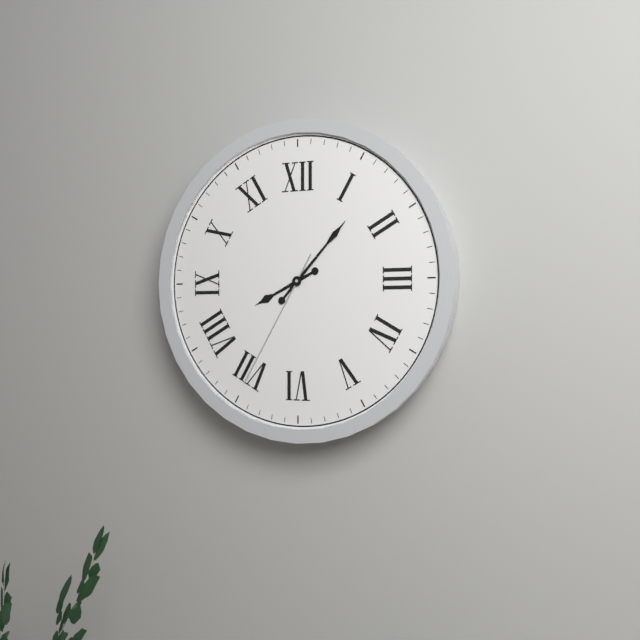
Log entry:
h=8 m=7 s=35
